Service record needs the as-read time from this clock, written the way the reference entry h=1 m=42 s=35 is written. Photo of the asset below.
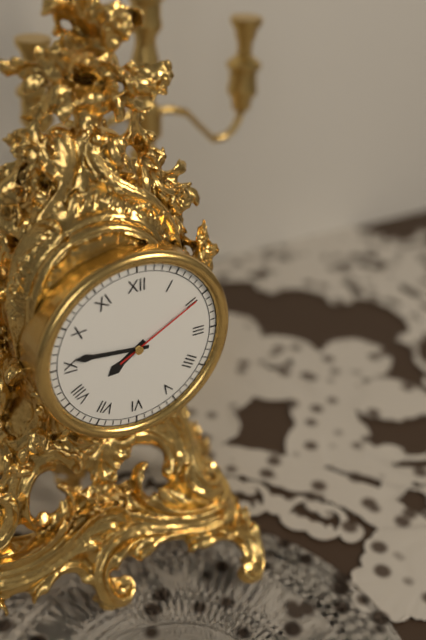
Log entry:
h=7 m=46 s=10
